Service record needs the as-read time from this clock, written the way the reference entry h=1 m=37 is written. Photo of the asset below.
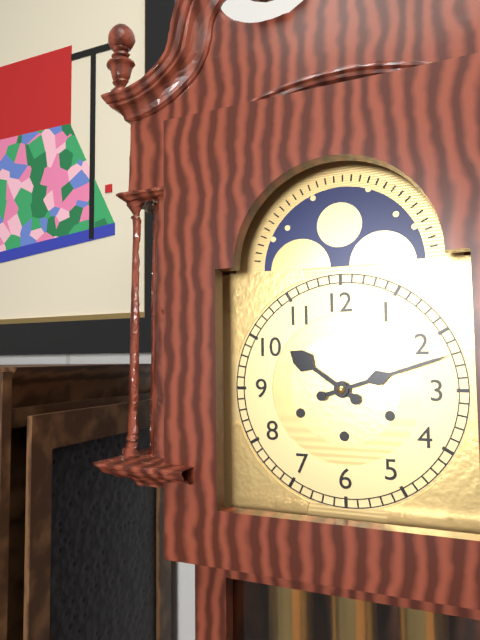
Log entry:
h=10 m=12
